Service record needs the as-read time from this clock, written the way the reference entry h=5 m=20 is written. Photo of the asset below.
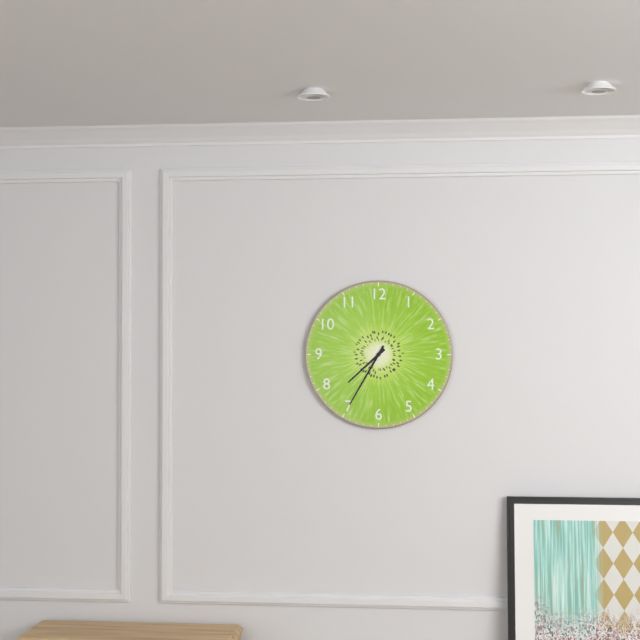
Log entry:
h=7 m=35
